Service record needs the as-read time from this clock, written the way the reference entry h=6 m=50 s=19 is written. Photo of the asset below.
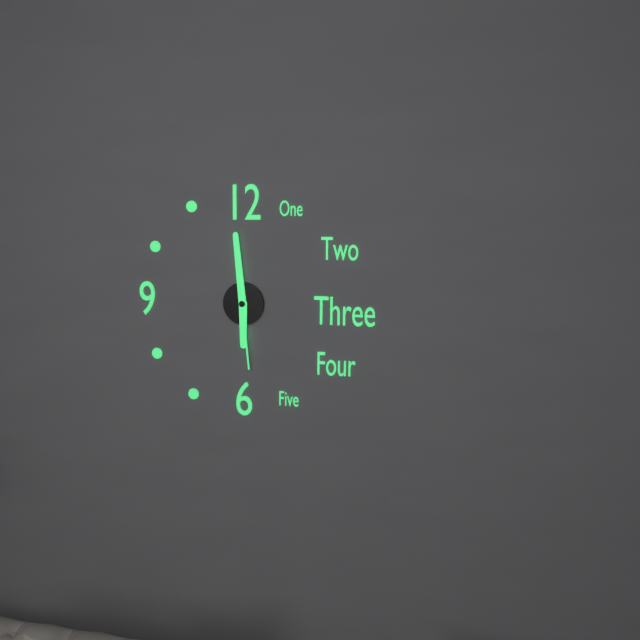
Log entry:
h=5 m=59 s=29
